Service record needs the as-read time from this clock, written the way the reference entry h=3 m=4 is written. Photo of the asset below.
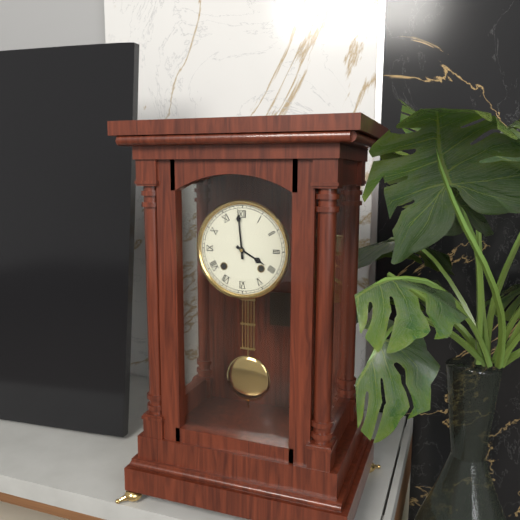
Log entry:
h=3 m=59
